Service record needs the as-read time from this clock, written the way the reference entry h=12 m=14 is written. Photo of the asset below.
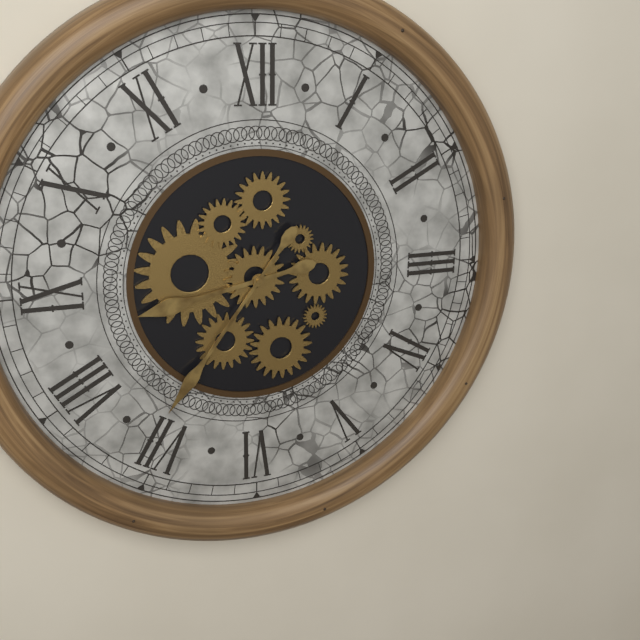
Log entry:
h=8 m=36
